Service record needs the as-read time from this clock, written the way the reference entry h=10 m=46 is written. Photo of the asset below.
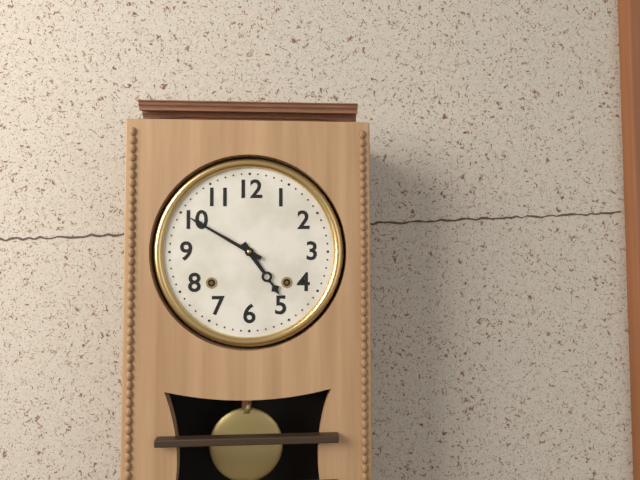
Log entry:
h=4 m=50
